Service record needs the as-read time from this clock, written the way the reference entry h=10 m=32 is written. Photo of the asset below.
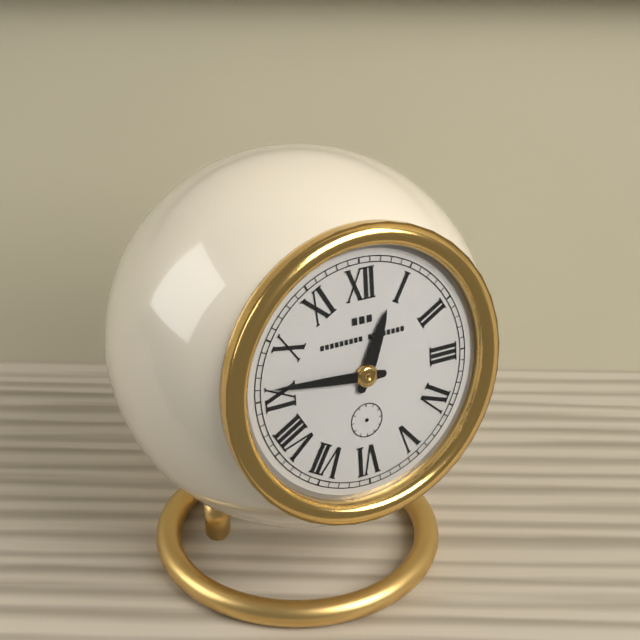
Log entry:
h=12 m=46
